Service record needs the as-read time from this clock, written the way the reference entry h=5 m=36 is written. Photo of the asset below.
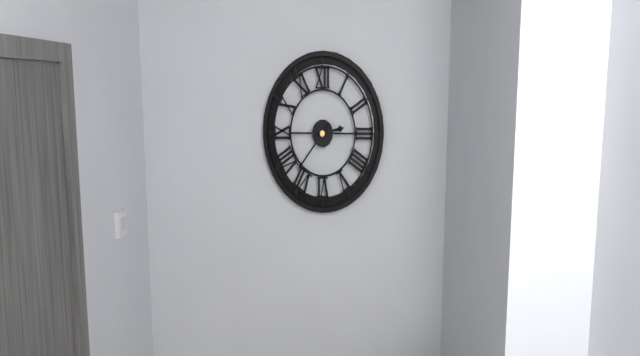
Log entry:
h=2 m=37
